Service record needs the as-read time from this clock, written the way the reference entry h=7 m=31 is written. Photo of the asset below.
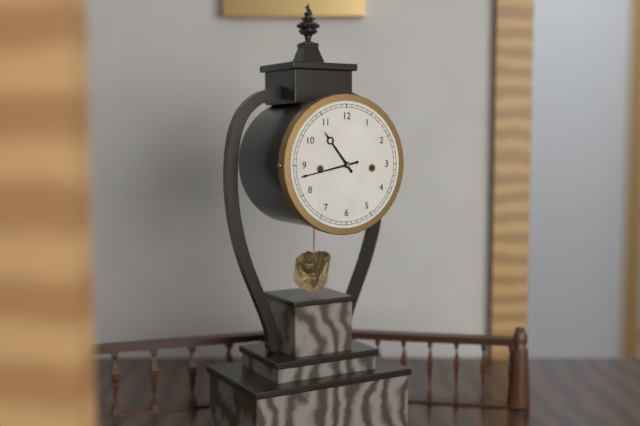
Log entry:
h=10 m=43
